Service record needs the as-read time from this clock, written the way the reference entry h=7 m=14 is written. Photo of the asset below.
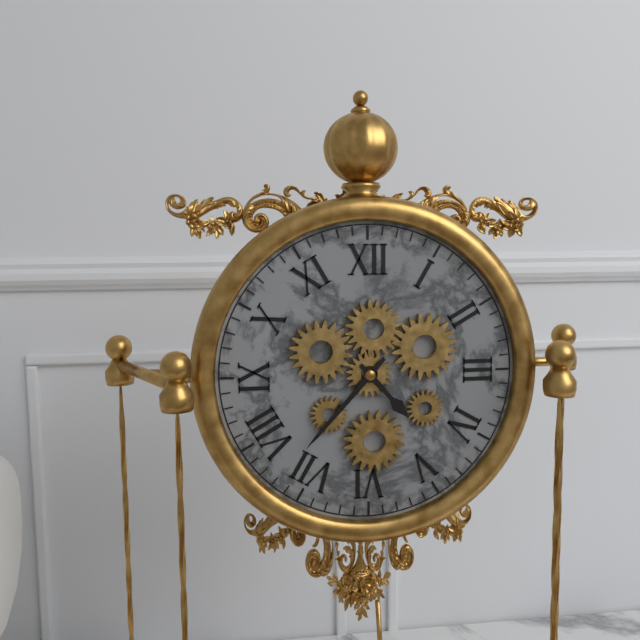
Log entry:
h=4 m=37
